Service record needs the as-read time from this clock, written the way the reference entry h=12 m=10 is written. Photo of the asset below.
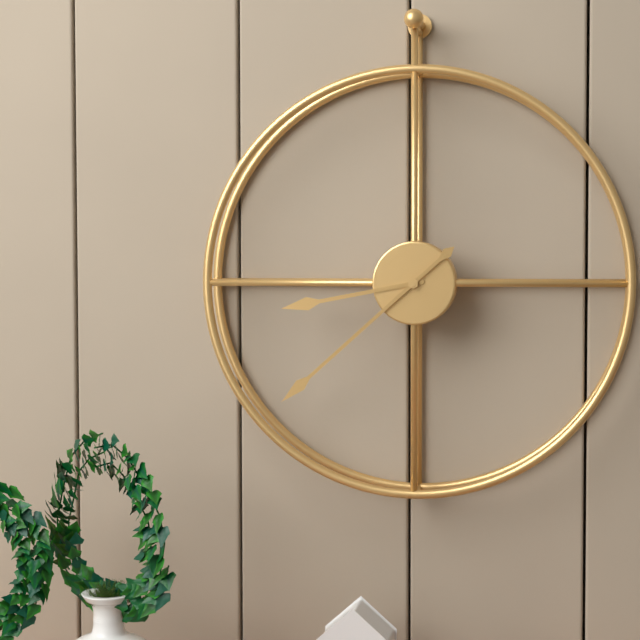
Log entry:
h=8 m=38
